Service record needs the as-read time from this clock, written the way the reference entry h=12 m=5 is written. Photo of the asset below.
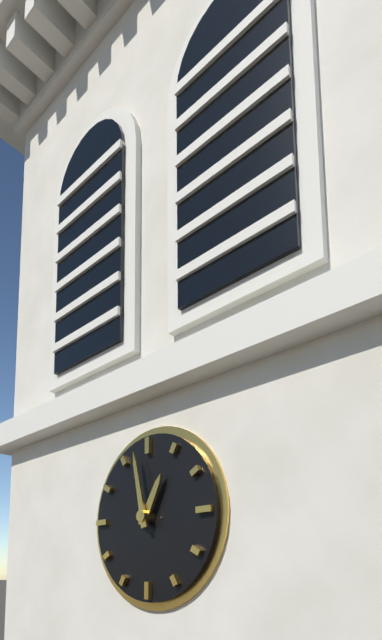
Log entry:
h=12 m=58
